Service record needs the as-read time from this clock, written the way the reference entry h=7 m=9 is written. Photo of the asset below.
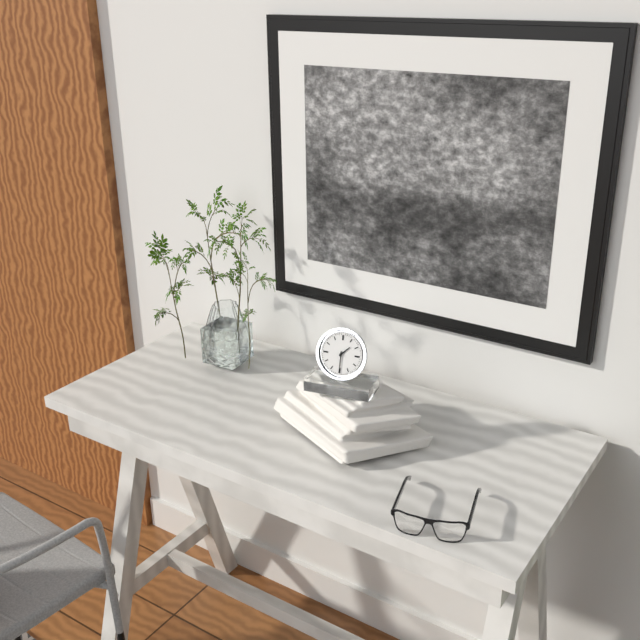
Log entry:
h=1 m=30
